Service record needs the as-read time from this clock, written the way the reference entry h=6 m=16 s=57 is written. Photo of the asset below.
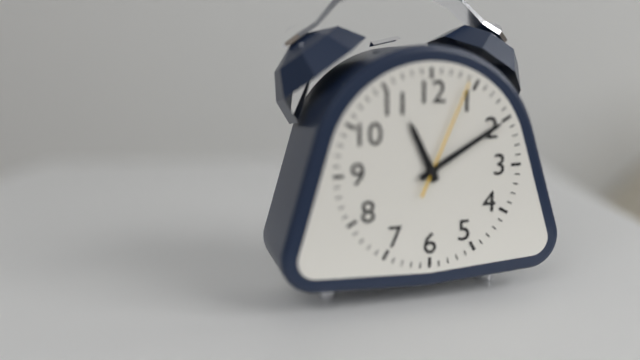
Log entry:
h=11 m=10 s=4
